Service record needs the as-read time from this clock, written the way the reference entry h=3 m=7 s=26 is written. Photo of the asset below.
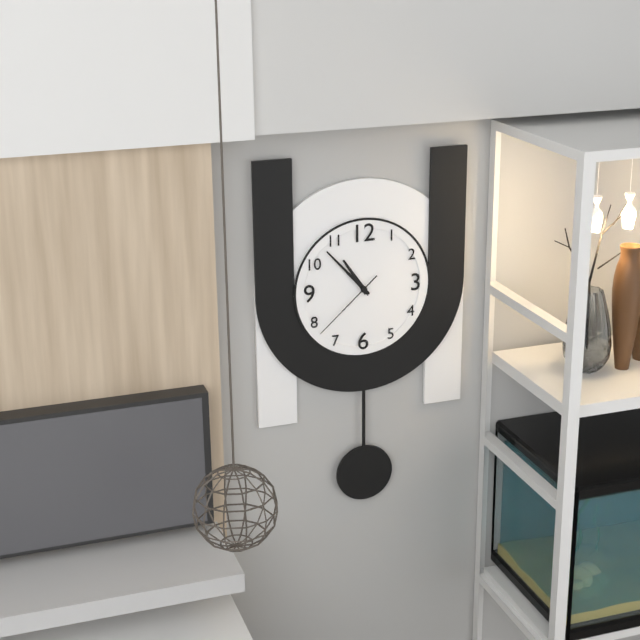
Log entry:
h=10 m=53 s=38
